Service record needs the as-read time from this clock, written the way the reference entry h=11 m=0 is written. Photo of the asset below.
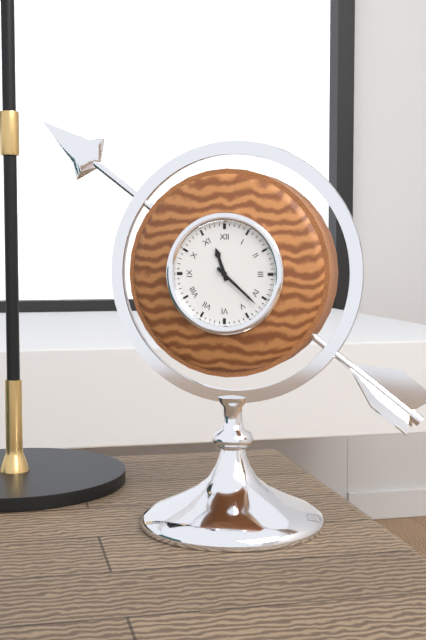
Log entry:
h=11 m=22
